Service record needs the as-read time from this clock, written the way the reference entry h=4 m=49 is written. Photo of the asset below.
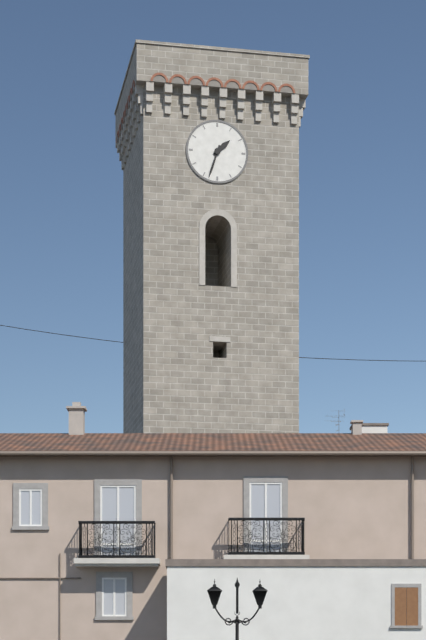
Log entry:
h=1 m=33
